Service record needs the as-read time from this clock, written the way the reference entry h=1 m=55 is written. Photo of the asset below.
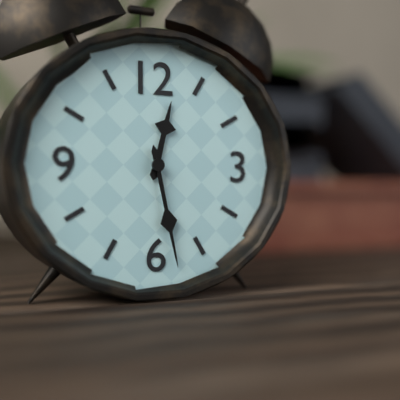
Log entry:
h=12 m=28
